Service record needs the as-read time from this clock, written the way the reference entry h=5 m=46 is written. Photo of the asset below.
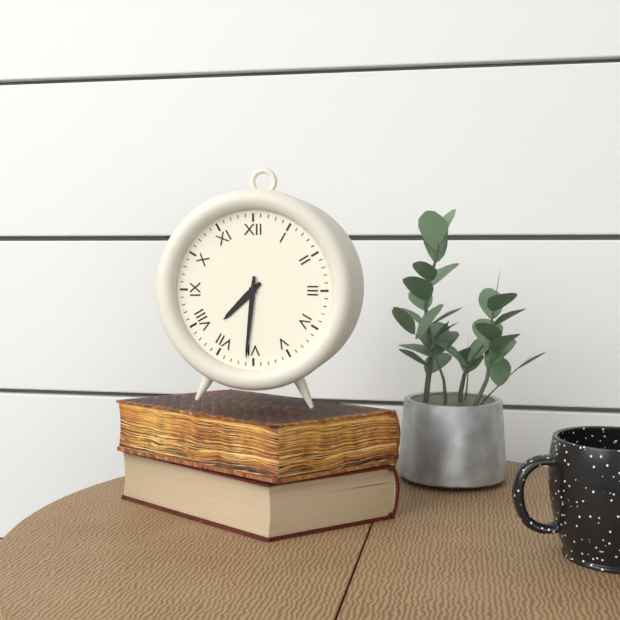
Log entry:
h=7 m=31
